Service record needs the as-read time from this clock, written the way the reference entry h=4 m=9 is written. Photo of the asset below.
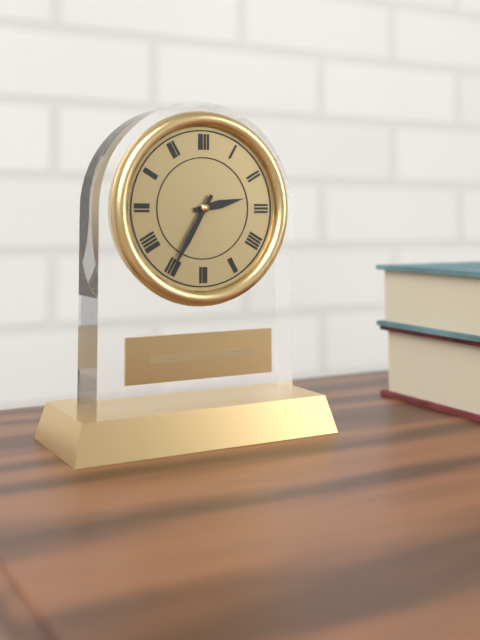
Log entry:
h=2 m=35
